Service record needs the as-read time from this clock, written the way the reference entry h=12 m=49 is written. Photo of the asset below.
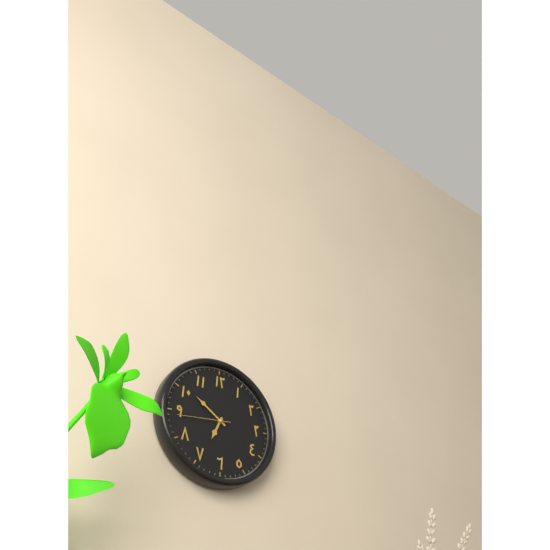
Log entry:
h=6 m=51
